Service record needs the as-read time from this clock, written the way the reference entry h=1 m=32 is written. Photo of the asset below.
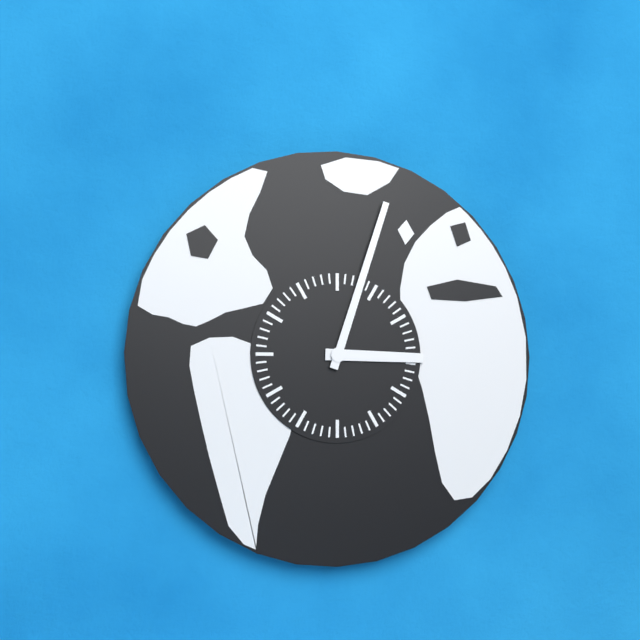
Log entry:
h=3 m=3
